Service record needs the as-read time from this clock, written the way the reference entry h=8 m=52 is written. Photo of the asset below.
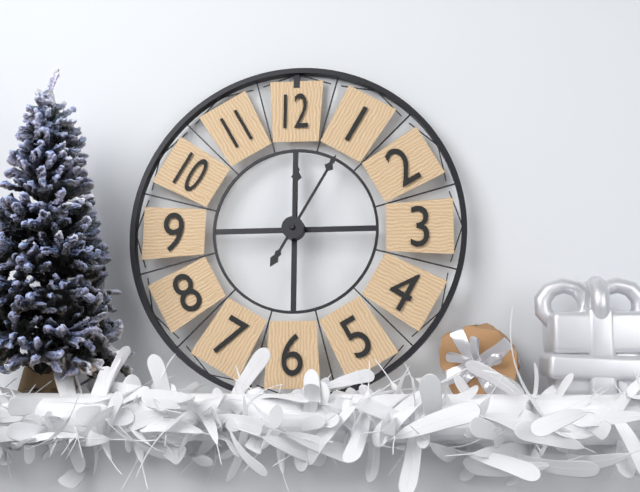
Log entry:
h=12 m=5
